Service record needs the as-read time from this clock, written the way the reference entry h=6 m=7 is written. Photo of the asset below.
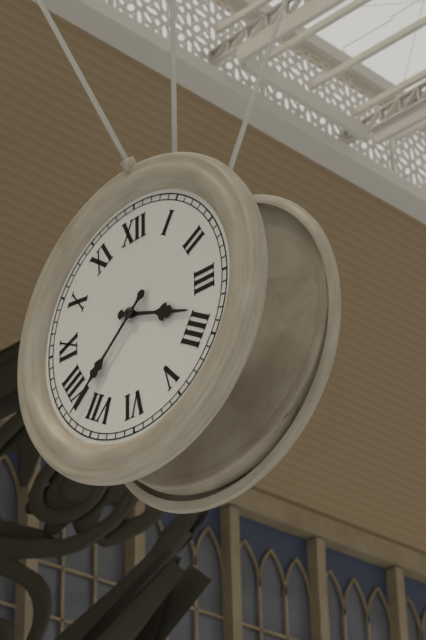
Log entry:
h=3 m=38
